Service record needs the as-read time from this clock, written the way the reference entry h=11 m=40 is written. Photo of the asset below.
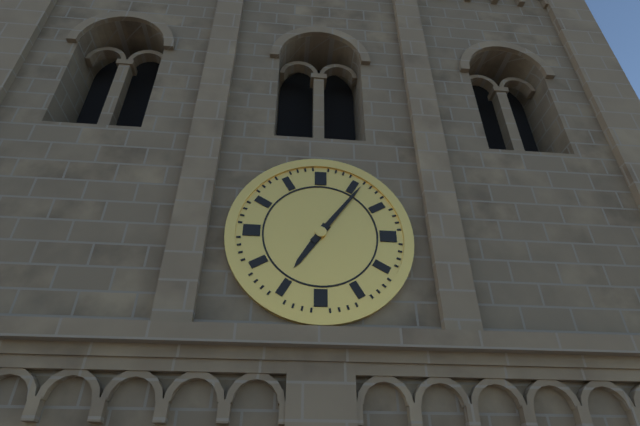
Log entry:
h=7 m=6
